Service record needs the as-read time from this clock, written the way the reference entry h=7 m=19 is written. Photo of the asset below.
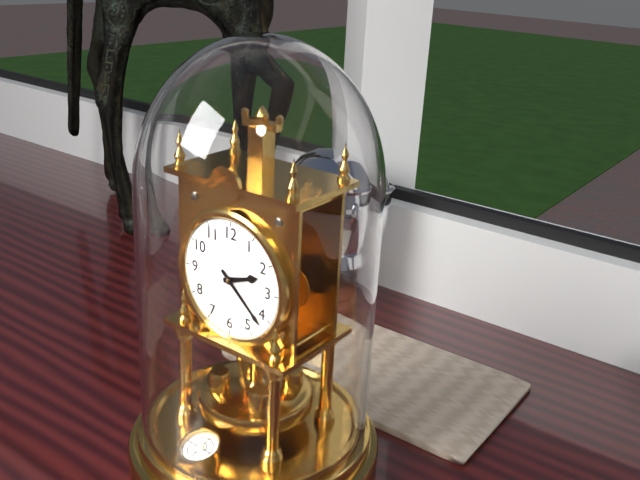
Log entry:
h=2 m=22
